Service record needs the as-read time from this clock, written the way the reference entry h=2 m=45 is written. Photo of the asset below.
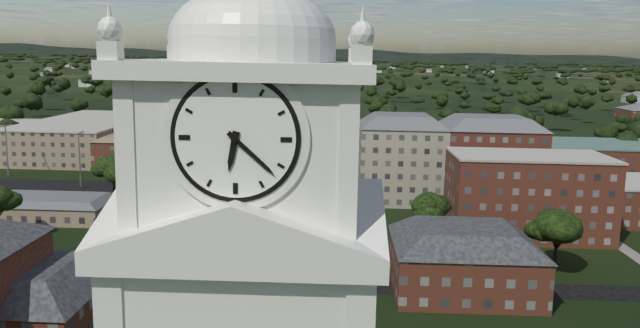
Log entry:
h=6 m=22
